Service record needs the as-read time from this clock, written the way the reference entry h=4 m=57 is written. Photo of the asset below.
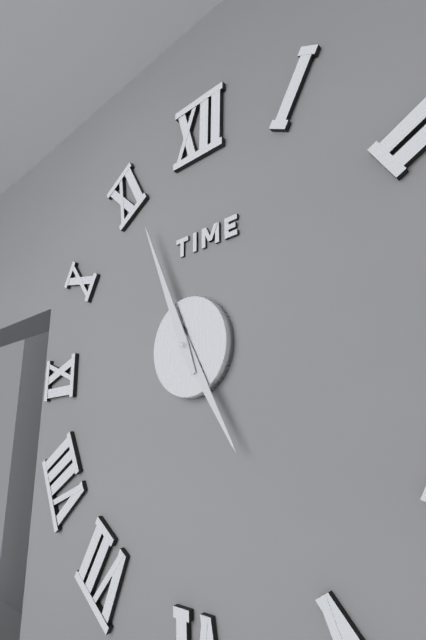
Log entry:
h=4 m=56
